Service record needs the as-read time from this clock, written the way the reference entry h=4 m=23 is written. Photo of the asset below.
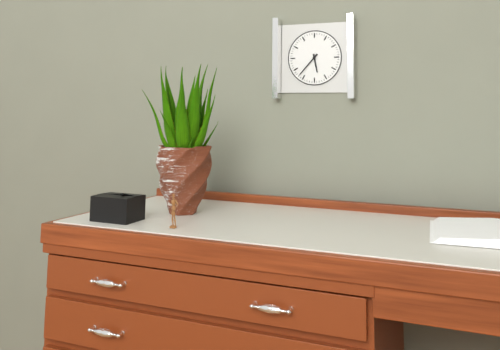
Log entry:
h=5 m=37
